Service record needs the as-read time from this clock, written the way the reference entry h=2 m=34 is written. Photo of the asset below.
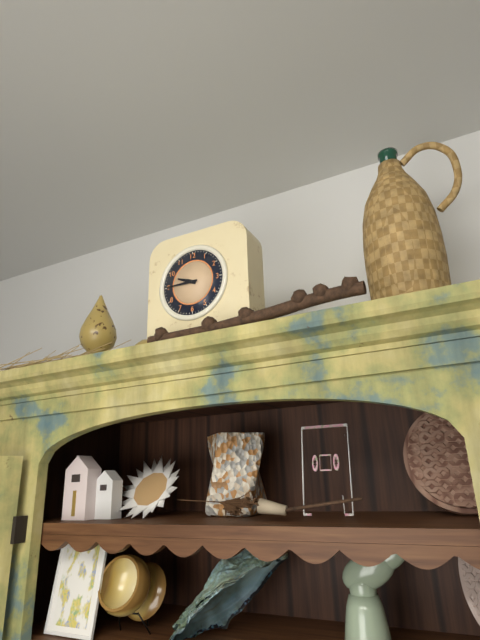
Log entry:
h=9 m=45
